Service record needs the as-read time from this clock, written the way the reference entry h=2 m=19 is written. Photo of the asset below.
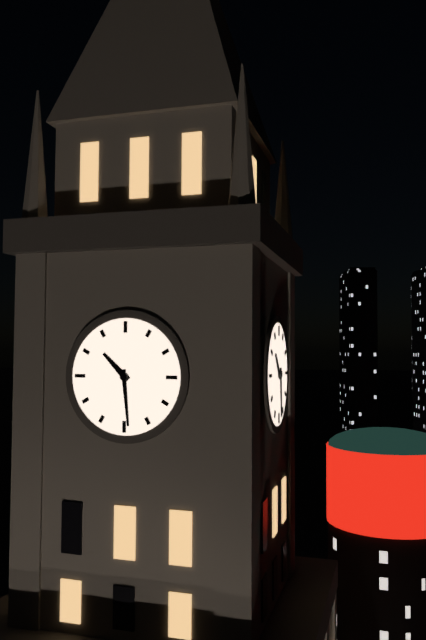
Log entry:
h=10 m=29
